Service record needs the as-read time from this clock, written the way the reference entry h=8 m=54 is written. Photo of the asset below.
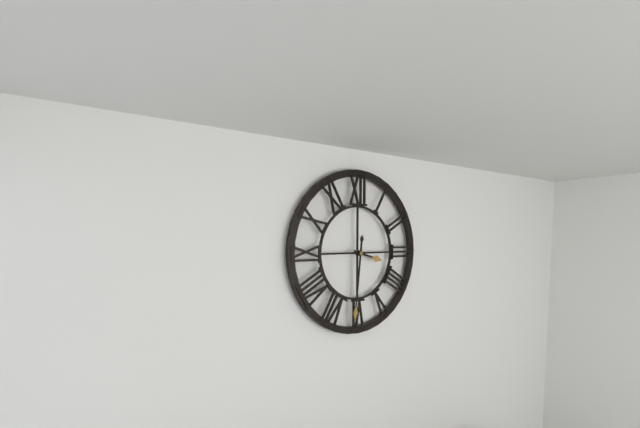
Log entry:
h=3 m=31
